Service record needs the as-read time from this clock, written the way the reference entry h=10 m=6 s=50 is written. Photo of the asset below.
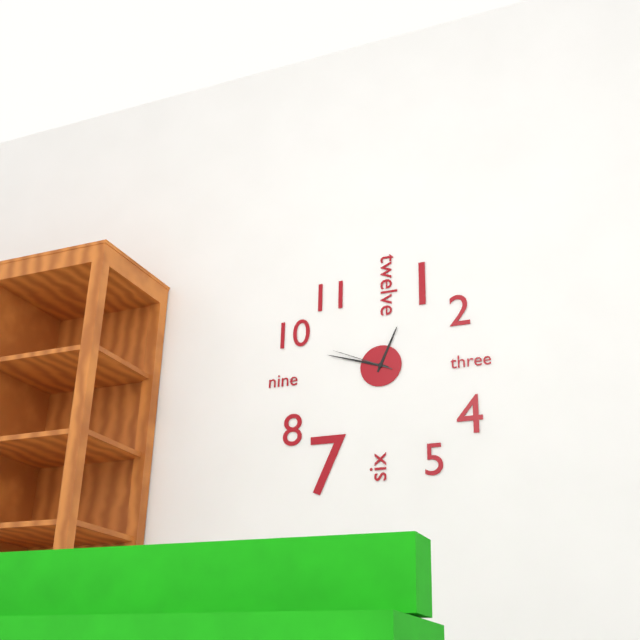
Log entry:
h=12 m=48 s=49
